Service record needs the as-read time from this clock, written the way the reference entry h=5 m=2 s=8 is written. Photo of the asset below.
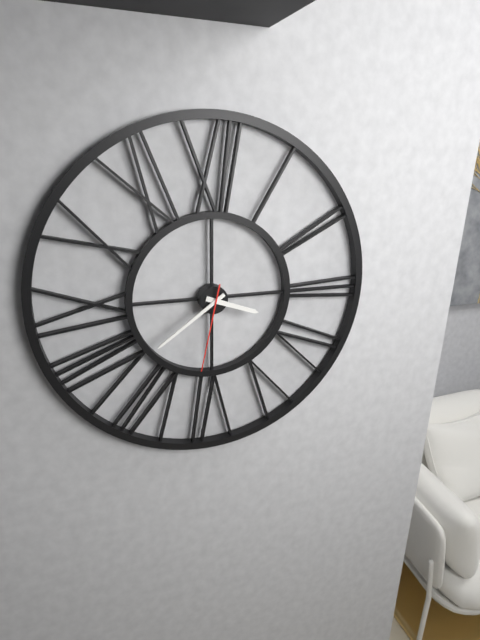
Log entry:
h=3 m=39 s=32
